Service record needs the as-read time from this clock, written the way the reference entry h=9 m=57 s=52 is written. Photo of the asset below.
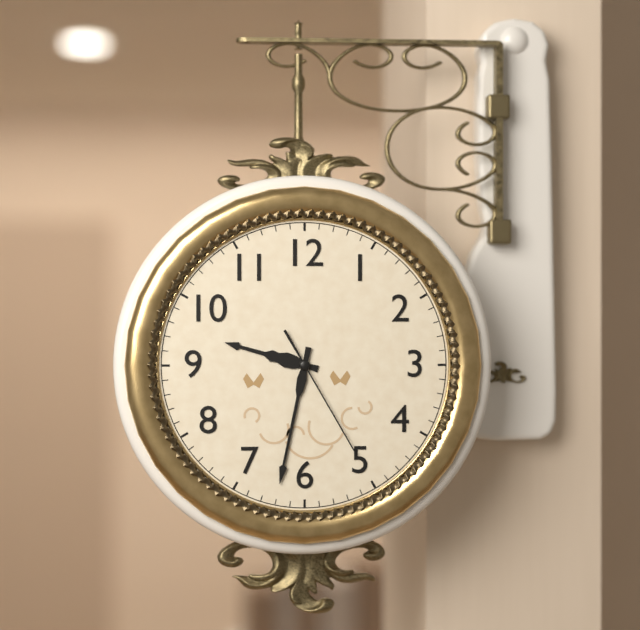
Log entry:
h=9 m=32 s=25
